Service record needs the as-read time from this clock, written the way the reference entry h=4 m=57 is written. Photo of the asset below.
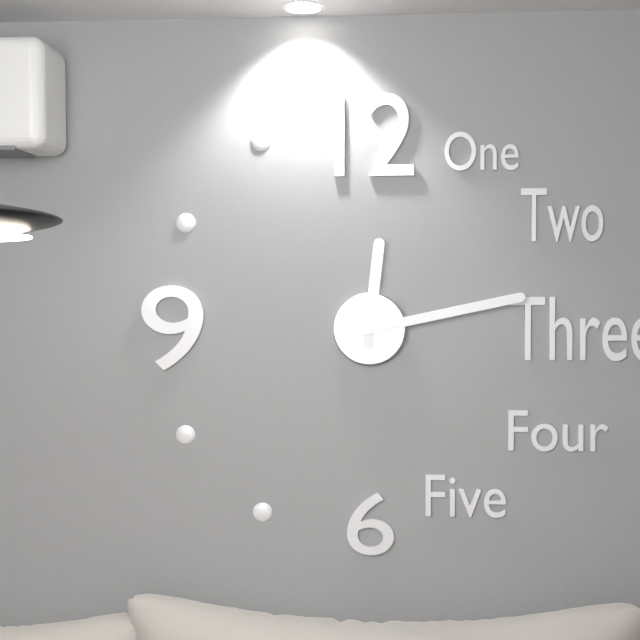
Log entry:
h=12 m=13
